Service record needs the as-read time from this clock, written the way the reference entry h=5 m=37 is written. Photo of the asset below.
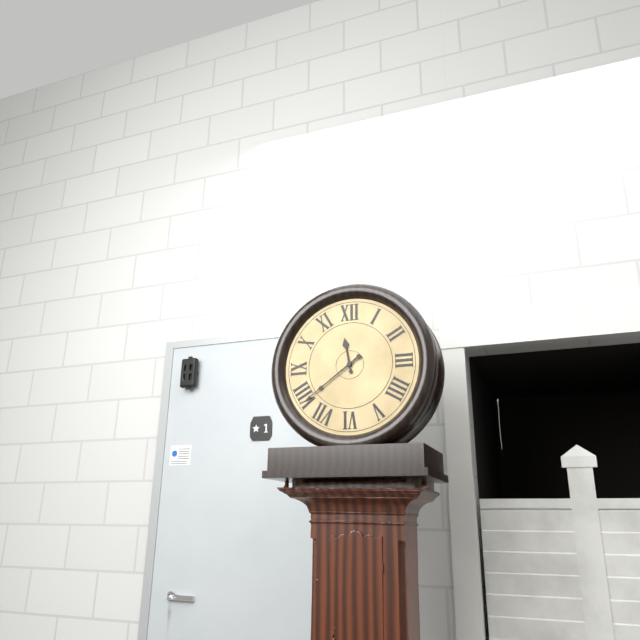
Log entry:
h=11 m=39
